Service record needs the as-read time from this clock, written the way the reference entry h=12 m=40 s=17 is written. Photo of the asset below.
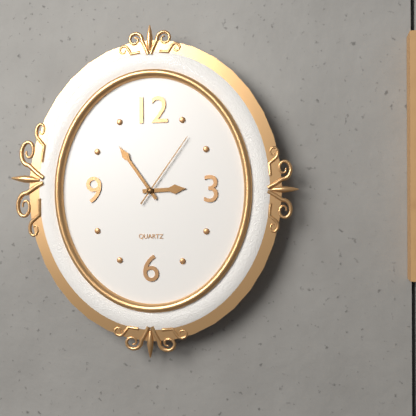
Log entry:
h=2 m=54 s=6
